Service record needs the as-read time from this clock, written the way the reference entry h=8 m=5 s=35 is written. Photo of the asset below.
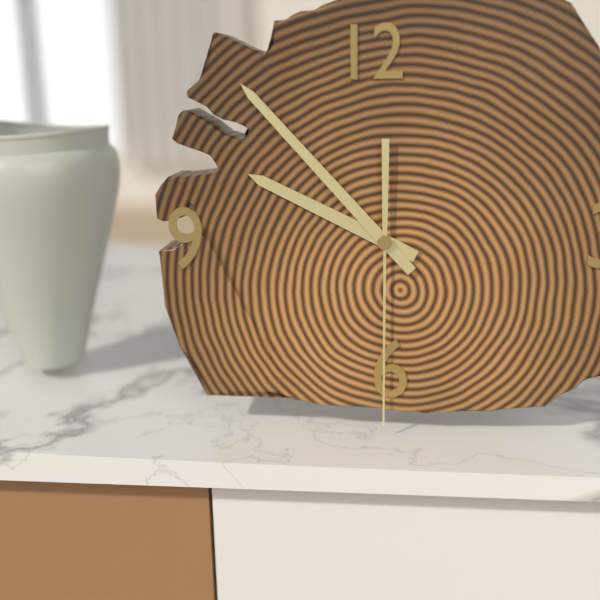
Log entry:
h=9 m=53 s=30
